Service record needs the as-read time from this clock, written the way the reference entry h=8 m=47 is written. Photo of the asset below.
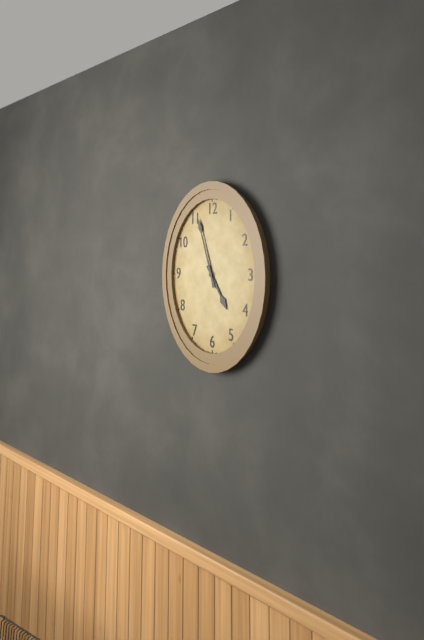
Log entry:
h=4 m=57
